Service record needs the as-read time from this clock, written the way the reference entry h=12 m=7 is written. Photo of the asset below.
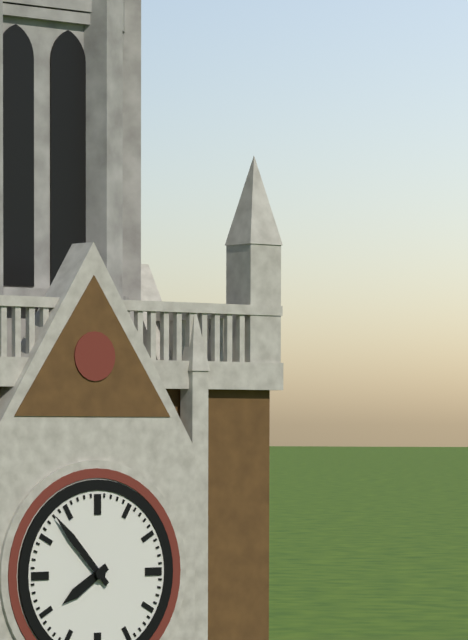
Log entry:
h=7 m=53
